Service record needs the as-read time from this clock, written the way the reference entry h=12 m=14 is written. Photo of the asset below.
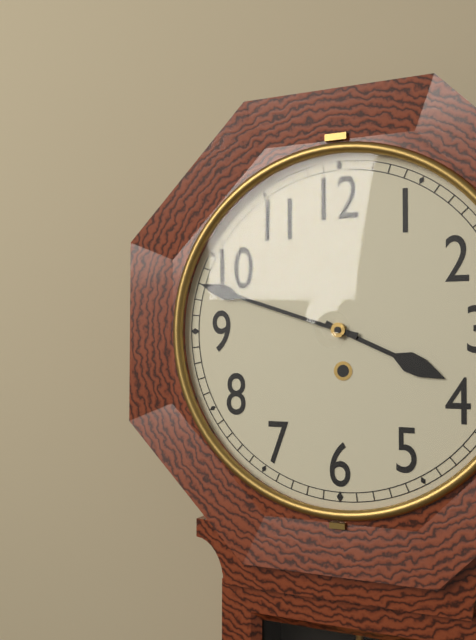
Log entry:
h=3 m=48
